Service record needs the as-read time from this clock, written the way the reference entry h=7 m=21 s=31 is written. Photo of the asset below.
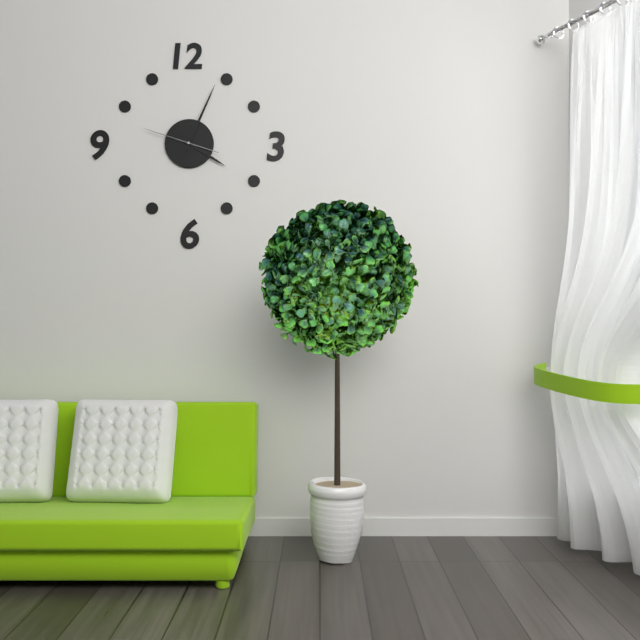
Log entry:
h=4 m=4 s=48
